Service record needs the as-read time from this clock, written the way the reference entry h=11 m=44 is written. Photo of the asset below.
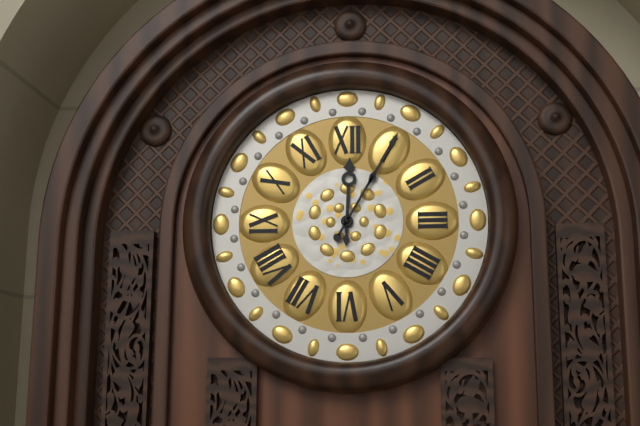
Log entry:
h=12 m=5
